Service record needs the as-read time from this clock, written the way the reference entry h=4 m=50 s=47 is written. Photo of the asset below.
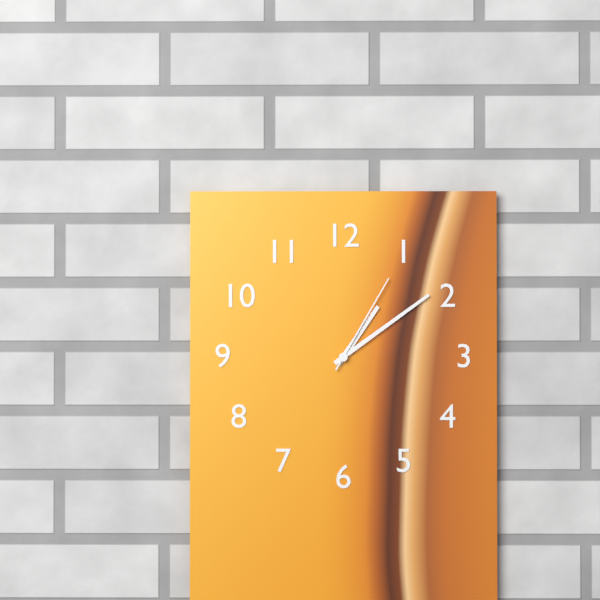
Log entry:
h=1 m=9 s=5
